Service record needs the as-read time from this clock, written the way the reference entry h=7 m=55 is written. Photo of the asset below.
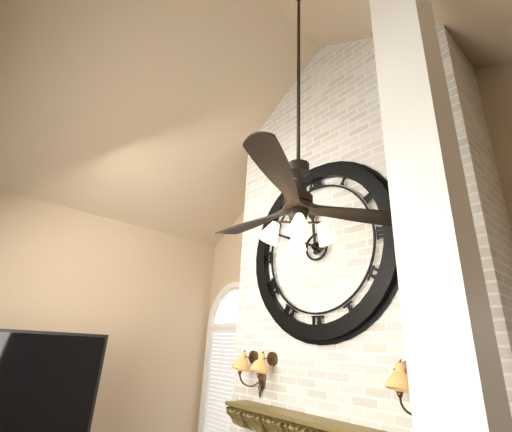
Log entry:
h=11 m=49
